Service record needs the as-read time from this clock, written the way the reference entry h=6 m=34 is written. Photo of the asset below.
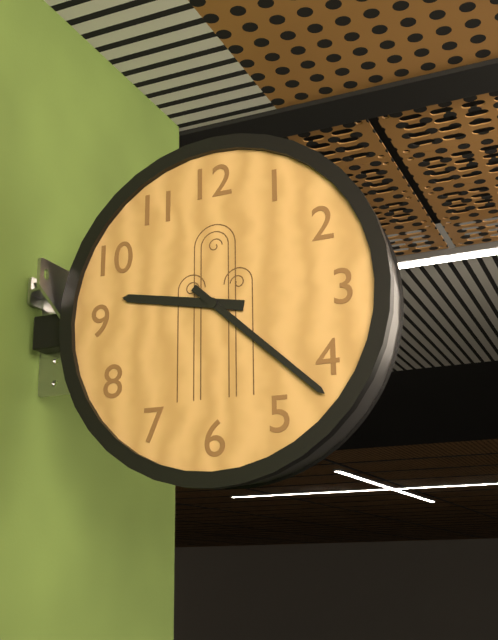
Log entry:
h=9 m=22
